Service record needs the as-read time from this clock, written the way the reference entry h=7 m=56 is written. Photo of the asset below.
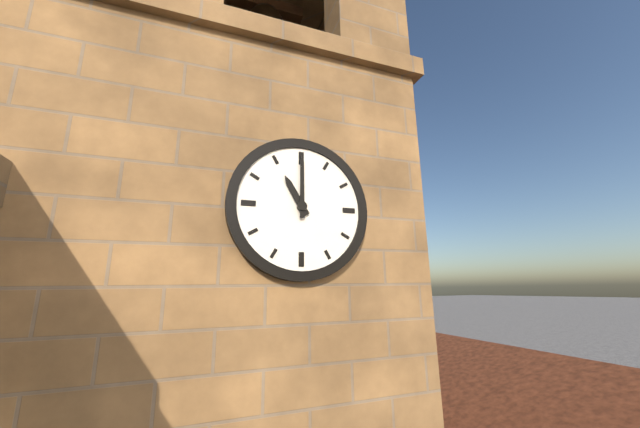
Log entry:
h=11 m=0
